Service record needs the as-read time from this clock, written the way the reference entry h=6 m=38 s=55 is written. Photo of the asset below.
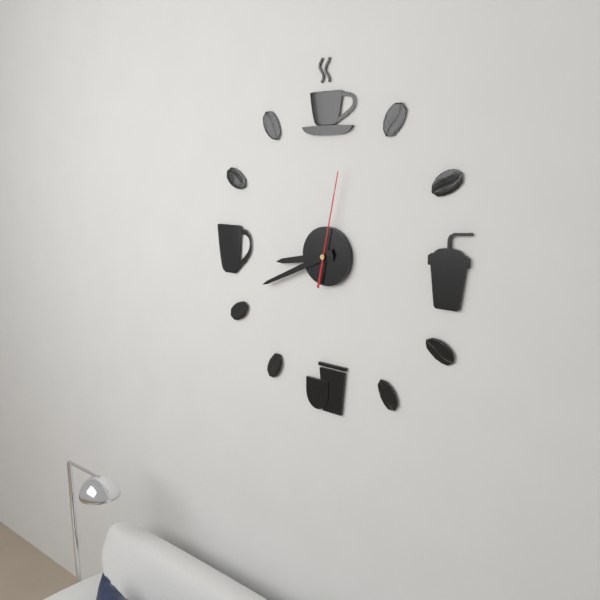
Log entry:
h=8 m=41 s=2
